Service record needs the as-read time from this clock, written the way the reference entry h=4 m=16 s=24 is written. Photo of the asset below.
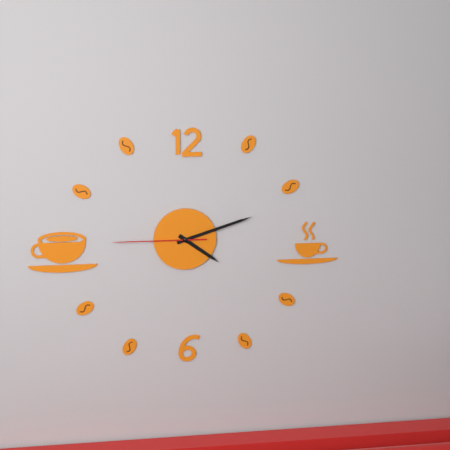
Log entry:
h=4 m=12 s=45
